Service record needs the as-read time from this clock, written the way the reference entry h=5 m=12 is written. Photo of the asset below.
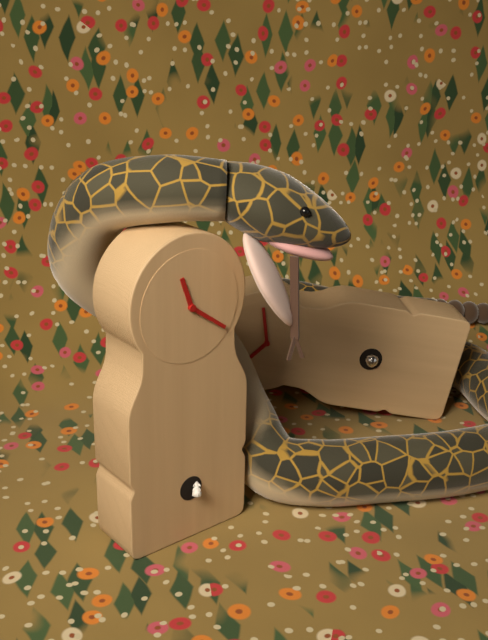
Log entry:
h=11 m=21
